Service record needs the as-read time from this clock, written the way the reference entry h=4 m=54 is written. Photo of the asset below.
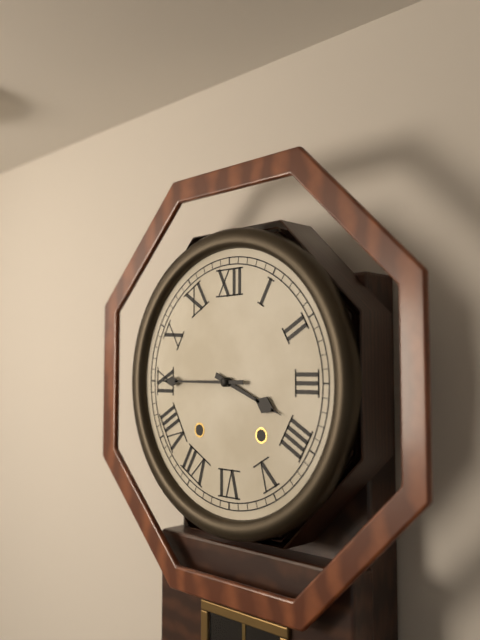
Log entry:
h=3 m=45
